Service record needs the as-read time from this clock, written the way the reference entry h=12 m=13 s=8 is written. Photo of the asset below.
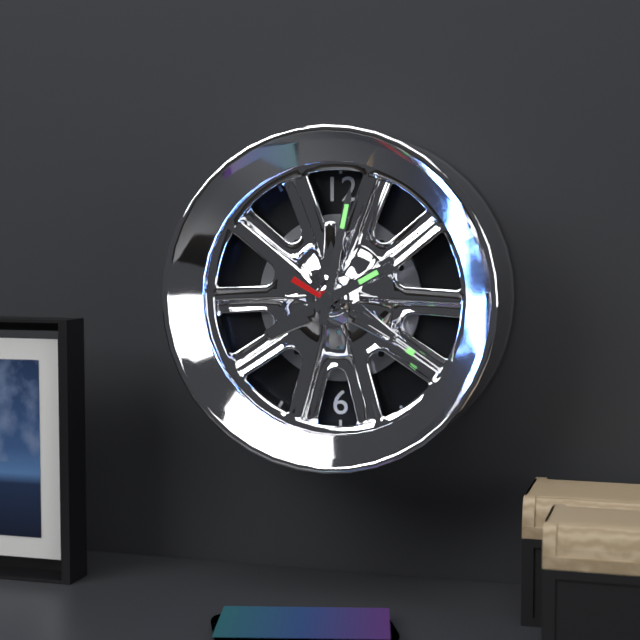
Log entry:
h=2 m=2 s=20
